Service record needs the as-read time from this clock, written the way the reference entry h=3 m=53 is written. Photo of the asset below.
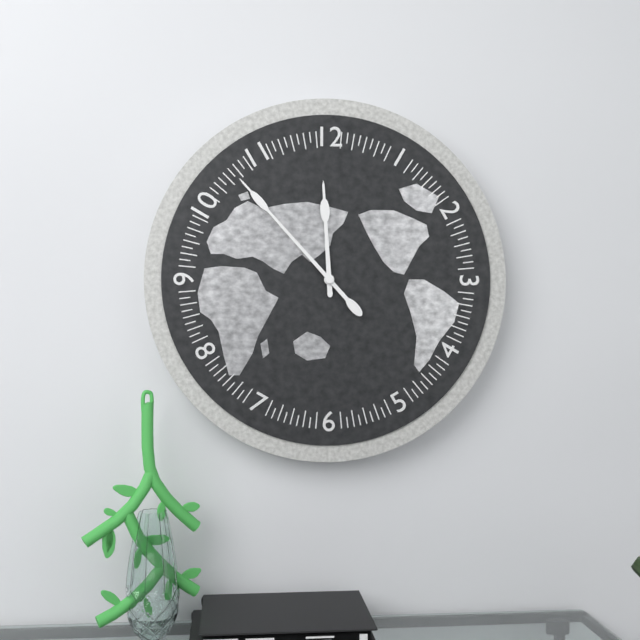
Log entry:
h=11 m=53
